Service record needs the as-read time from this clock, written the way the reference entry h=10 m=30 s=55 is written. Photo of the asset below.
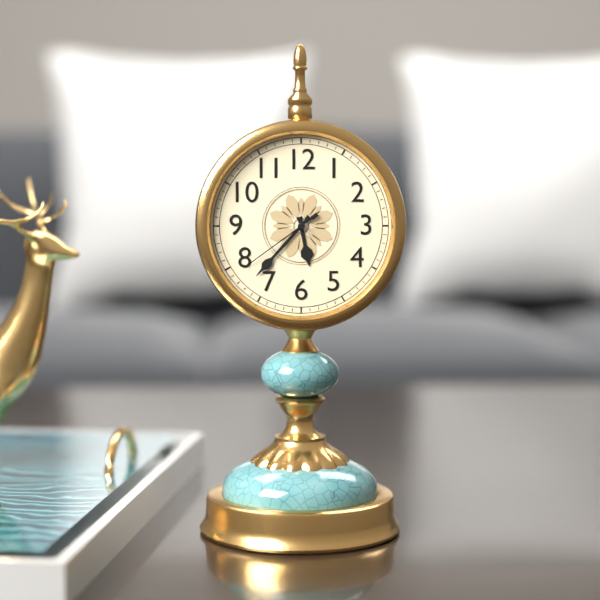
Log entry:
h=5 m=37 s=39
